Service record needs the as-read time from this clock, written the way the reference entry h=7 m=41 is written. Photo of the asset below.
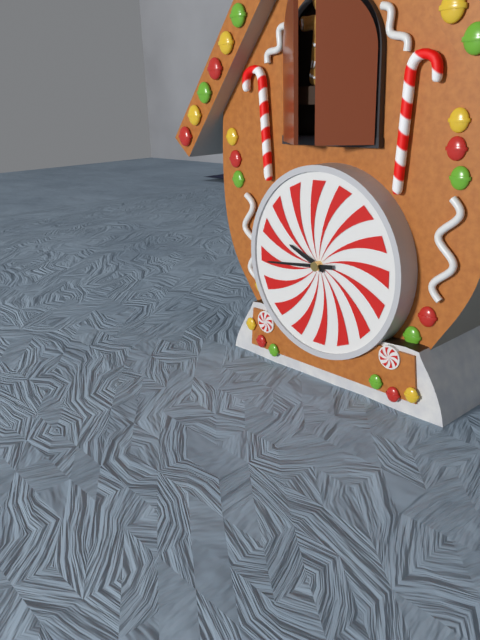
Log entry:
h=9 m=44
